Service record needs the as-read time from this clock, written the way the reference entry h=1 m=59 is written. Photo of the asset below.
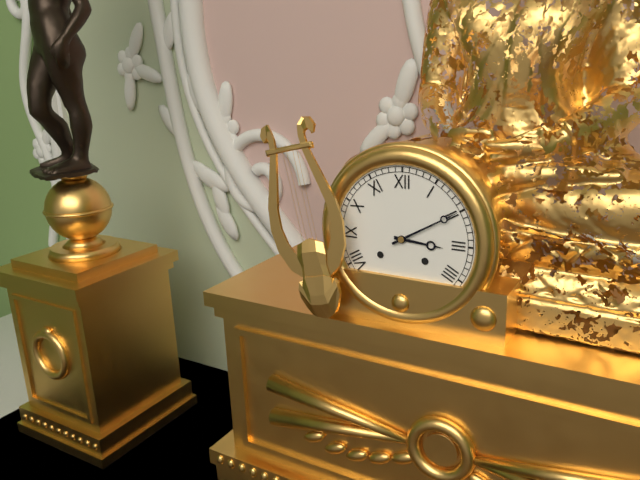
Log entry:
h=3 m=10
